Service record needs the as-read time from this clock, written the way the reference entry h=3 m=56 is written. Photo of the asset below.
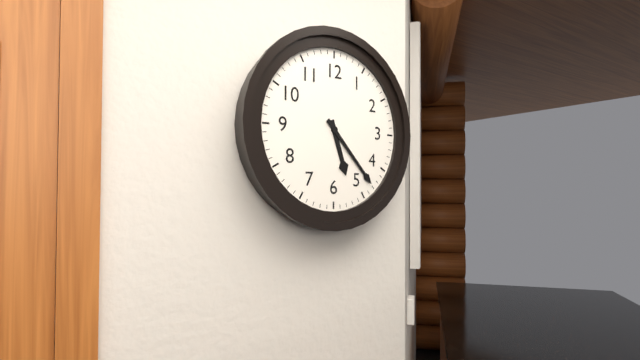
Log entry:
h=5 m=23
